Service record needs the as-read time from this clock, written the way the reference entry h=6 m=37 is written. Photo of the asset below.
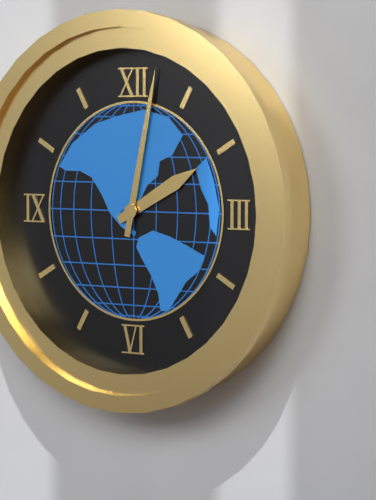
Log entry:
h=2 m=2
